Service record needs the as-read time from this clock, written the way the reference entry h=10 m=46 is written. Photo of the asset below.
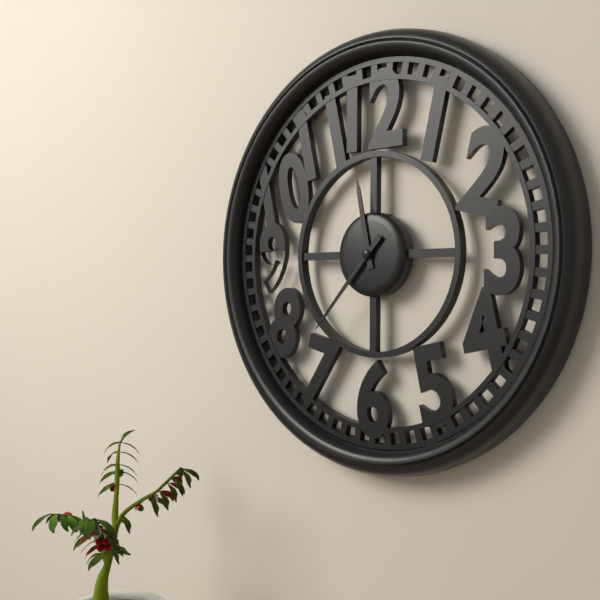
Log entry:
h=11 m=37
